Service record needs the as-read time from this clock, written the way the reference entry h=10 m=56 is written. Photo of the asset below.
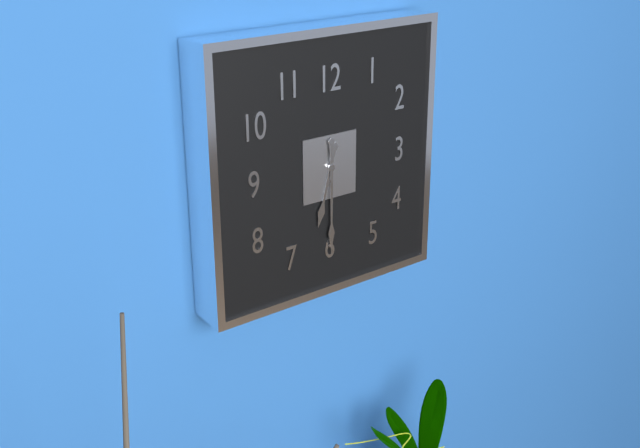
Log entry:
h=6 m=30
